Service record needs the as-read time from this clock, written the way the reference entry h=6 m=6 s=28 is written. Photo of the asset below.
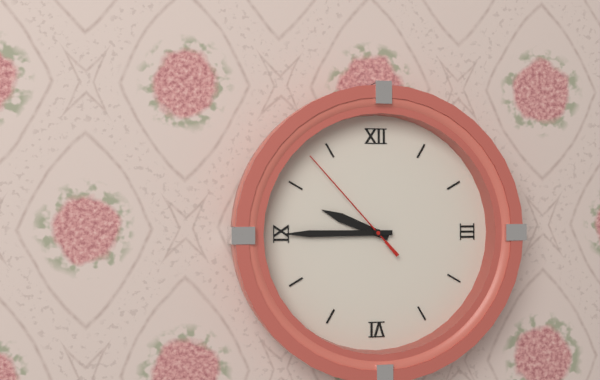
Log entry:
h=9 m=45 s=53
